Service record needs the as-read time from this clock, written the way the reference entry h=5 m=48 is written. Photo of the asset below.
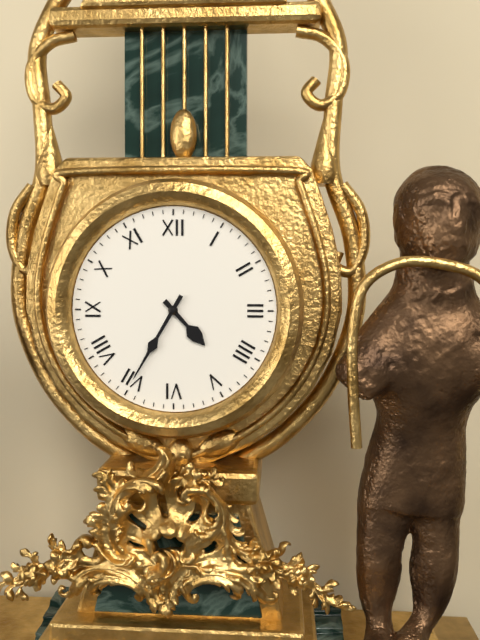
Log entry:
h=4 m=35
